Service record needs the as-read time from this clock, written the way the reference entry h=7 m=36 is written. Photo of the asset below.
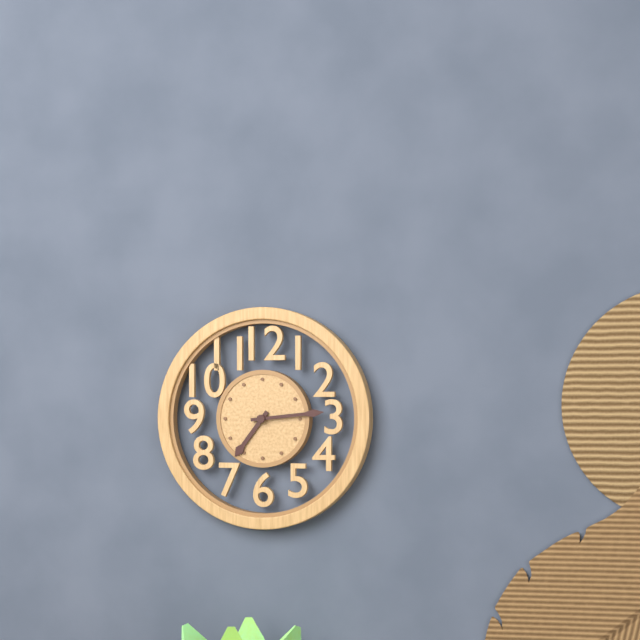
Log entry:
h=7 m=14
